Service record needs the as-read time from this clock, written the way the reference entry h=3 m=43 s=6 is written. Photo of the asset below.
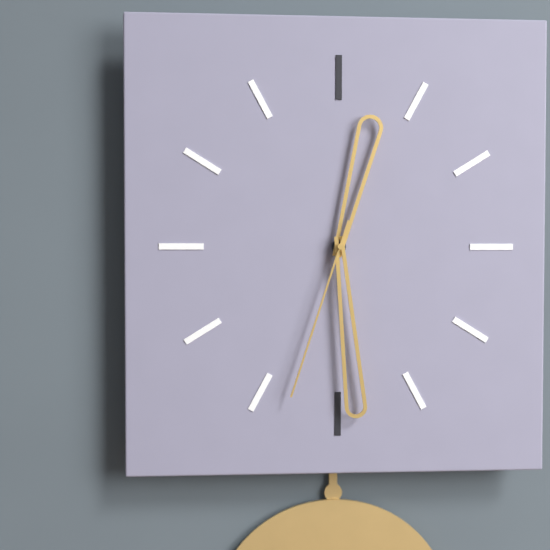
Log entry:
h=12 m=29 s=33
